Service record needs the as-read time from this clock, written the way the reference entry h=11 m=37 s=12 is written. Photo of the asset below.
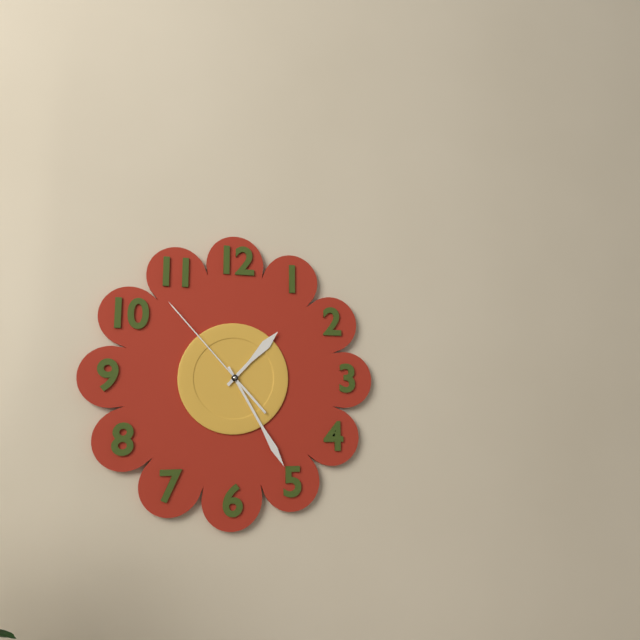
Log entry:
h=1 m=25 s=53
